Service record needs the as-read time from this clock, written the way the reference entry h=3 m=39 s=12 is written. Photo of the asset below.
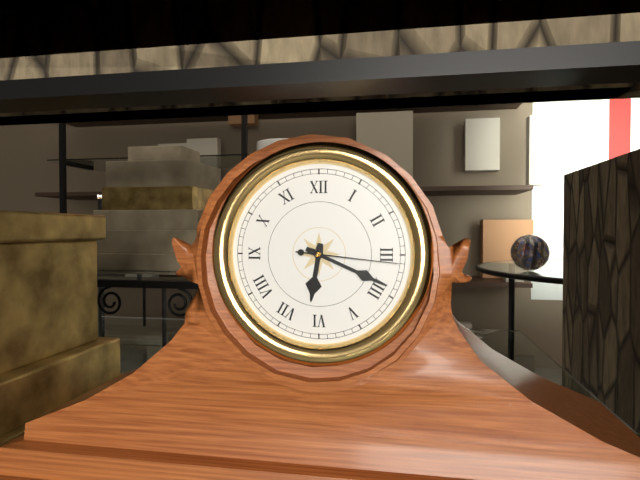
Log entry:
h=6 m=19 s=16
